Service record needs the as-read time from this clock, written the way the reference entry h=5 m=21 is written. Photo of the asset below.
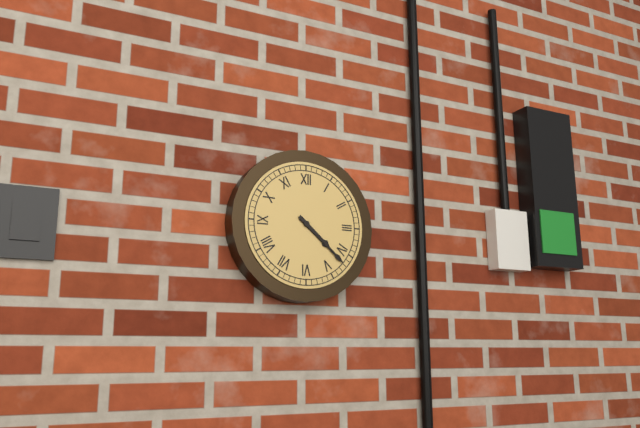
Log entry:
h=4 m=22
